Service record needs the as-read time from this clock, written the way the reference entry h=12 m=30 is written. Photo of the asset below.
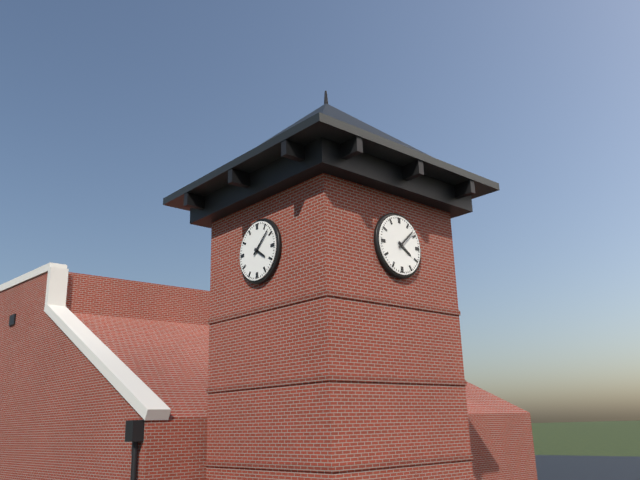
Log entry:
h=4 m=8
